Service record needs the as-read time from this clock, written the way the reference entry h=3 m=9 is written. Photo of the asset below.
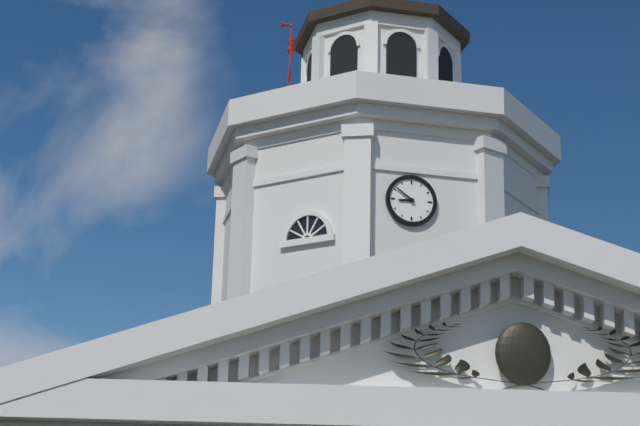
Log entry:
h=8 m=51
